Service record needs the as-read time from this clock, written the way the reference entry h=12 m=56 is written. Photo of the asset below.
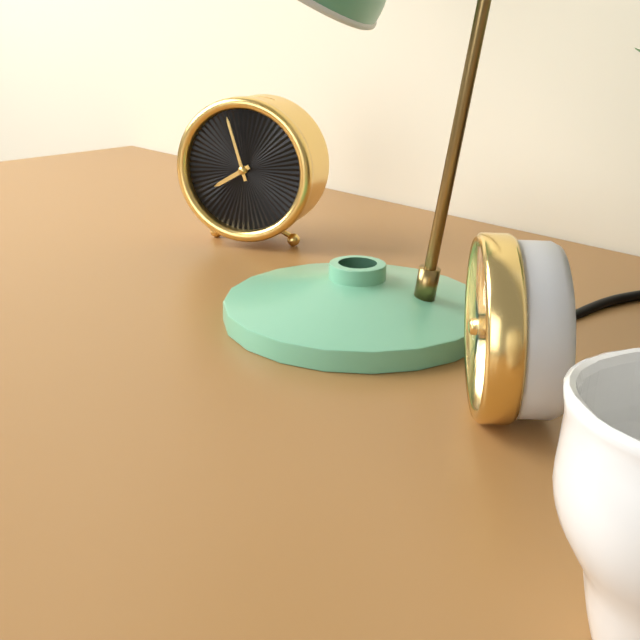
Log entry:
h=7 m=57
